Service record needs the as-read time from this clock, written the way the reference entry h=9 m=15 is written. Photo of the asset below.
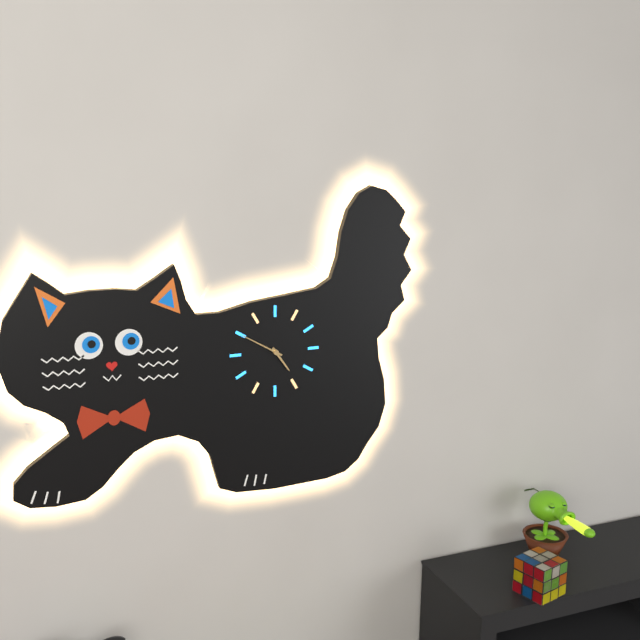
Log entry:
h=4 m=50
